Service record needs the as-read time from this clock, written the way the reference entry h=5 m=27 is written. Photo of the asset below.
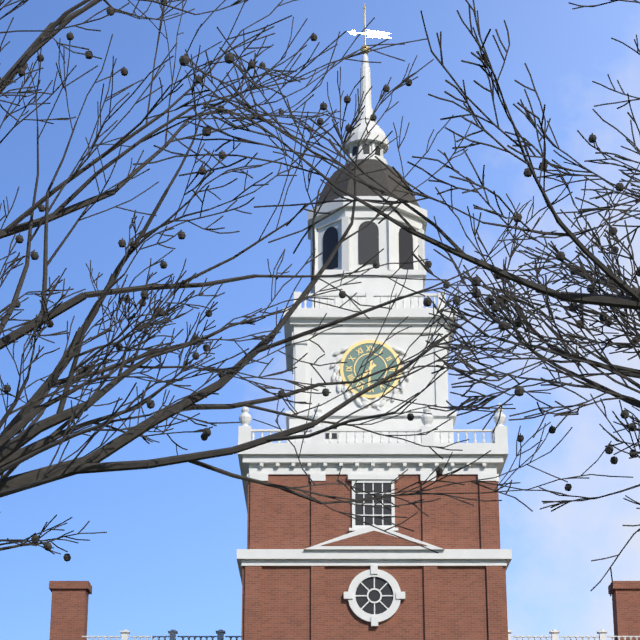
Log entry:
h=7 m=31
